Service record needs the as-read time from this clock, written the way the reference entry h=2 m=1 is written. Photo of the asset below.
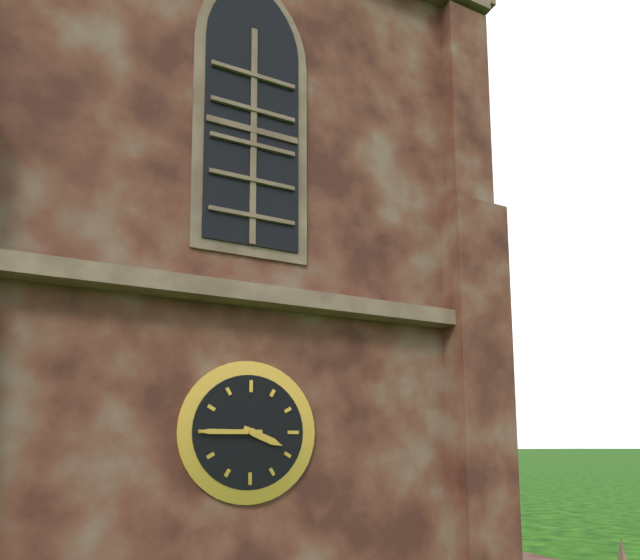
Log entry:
h=3 m=45
